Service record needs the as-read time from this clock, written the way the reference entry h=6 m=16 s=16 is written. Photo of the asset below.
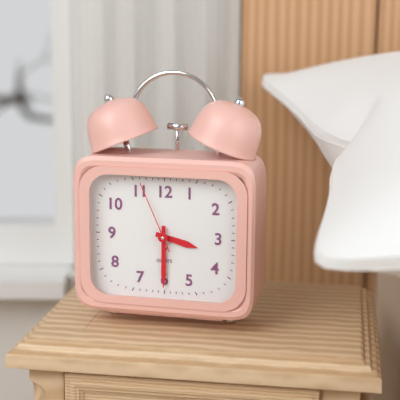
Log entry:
h=3 m=30 s=56
